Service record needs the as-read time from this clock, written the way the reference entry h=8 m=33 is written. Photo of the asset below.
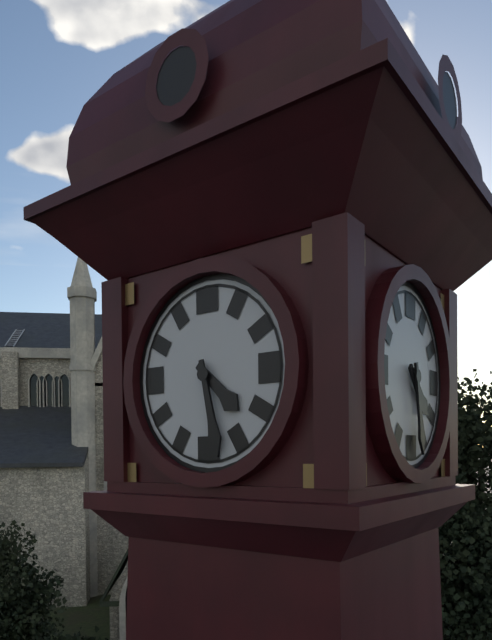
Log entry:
h=4 m=28
